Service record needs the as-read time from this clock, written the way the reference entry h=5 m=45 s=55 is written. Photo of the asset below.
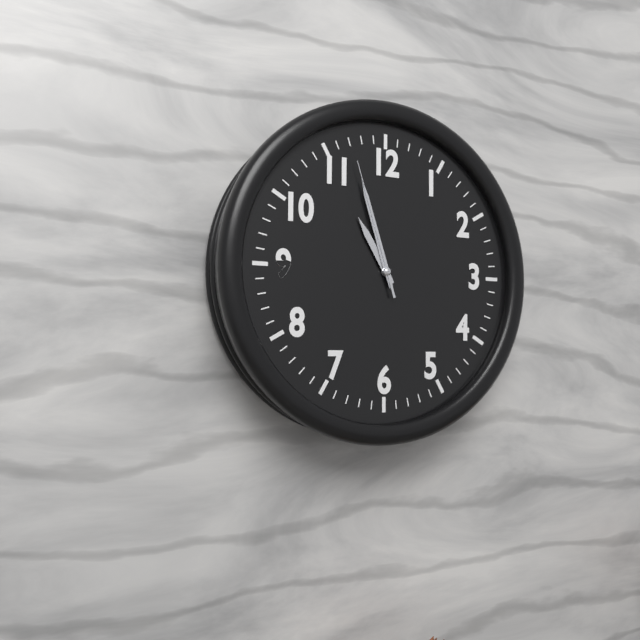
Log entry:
h=10 m=57 s=57
